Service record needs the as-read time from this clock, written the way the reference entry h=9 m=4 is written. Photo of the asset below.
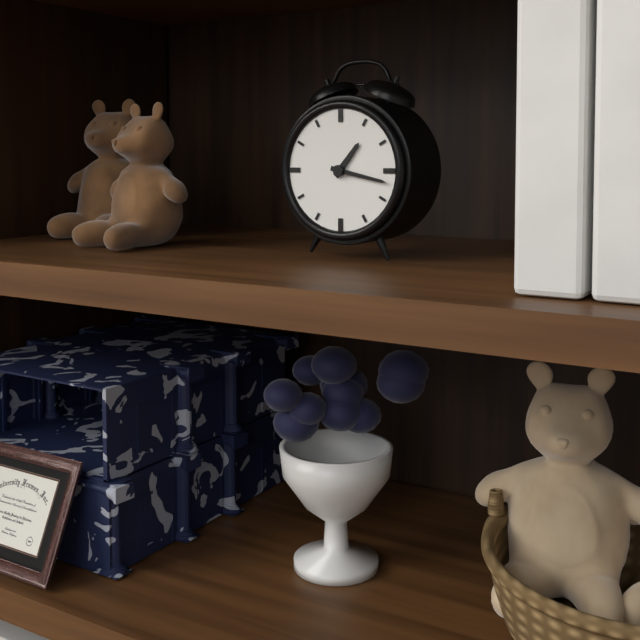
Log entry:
h=1 m=17
